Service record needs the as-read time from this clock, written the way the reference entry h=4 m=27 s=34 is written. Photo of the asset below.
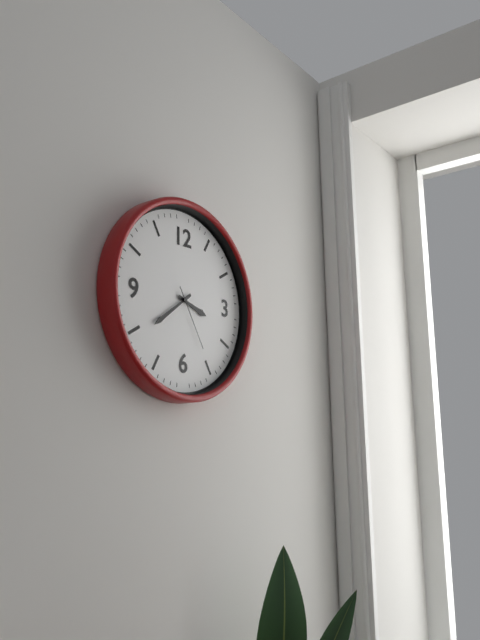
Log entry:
h=3 m=39 s=25
